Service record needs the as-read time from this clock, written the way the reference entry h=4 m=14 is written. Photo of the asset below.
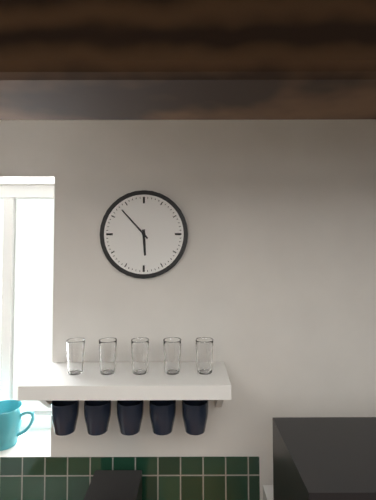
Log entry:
h=5 m=53
